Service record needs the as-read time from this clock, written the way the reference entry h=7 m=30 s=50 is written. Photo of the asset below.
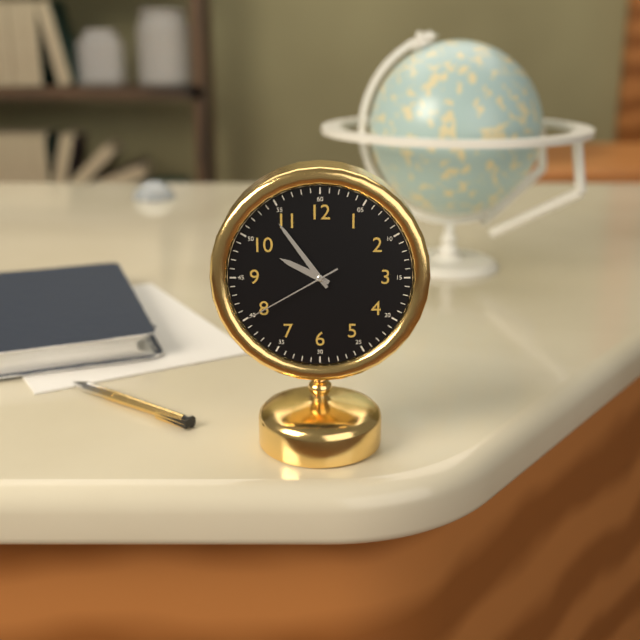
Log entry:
h=9 m=54 s=40
